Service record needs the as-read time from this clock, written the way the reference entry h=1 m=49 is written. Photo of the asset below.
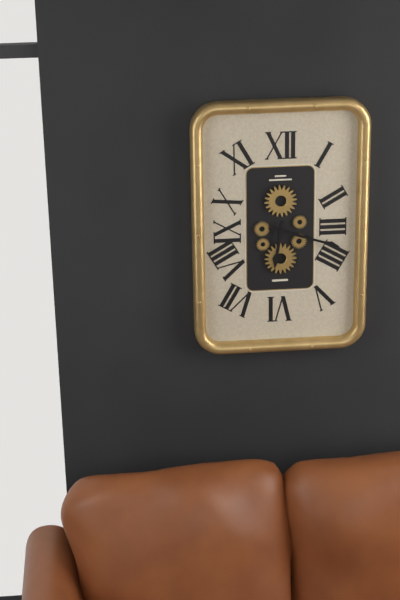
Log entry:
h=6 m=18
